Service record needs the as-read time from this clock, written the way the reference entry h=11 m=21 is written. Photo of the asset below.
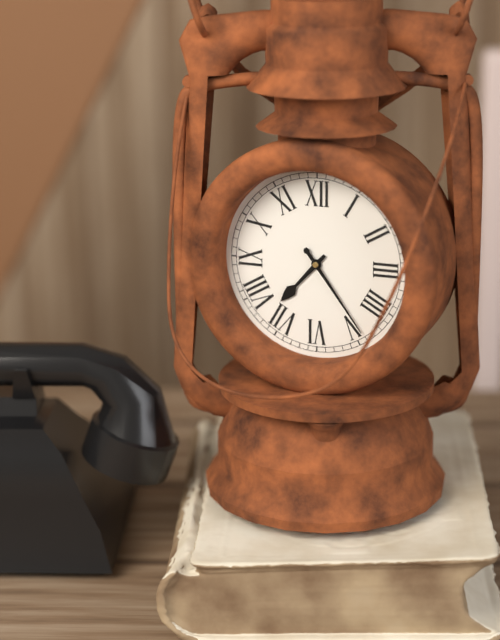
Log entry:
h=7 m=24
